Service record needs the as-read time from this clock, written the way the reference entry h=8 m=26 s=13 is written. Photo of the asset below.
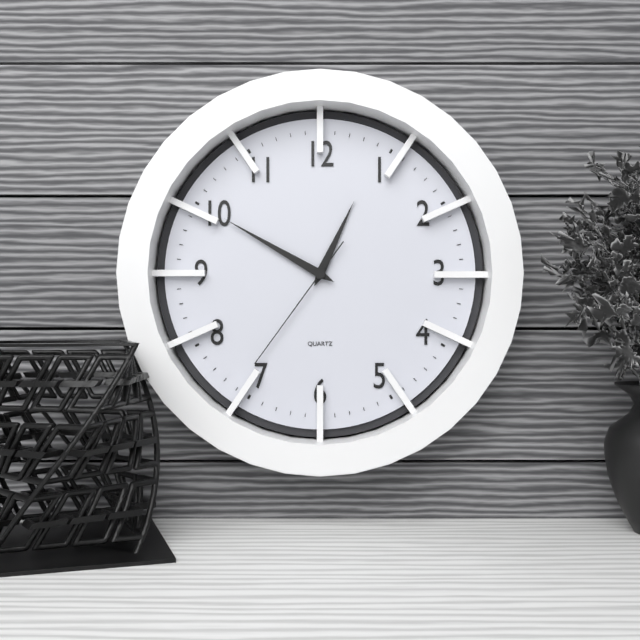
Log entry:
h=12 m=50 s=36
